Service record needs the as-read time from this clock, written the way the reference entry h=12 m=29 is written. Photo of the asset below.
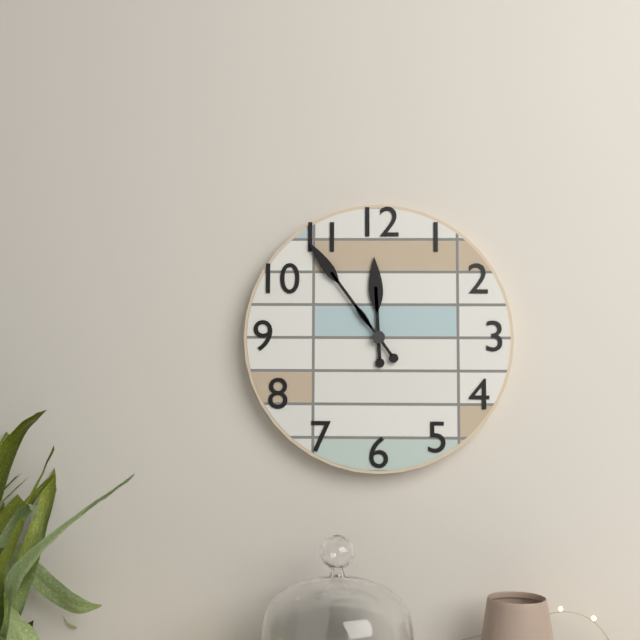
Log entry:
h=11 m=54
